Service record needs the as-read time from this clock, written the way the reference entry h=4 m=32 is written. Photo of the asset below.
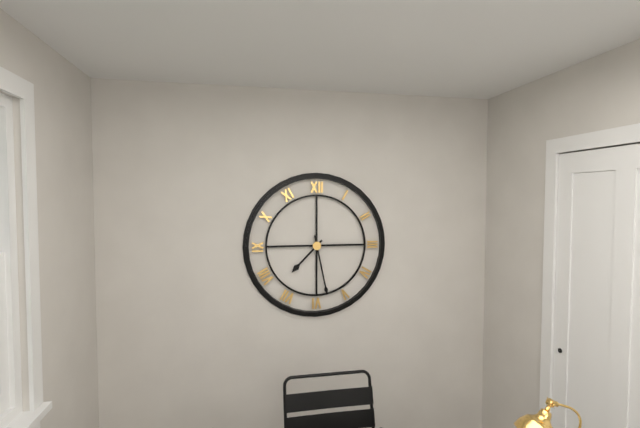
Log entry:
h=7 m=28
